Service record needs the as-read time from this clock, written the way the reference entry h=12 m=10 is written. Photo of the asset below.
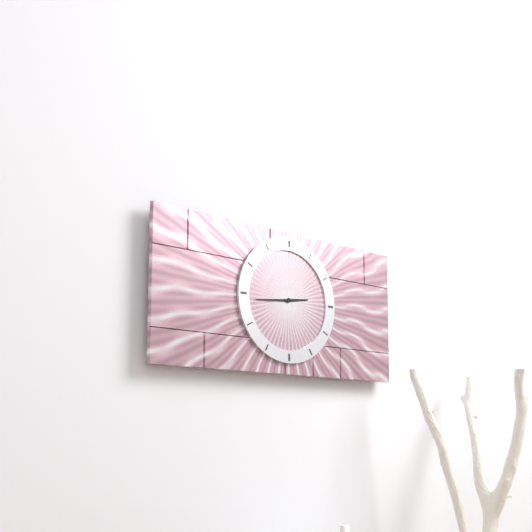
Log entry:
h=2 m=44
